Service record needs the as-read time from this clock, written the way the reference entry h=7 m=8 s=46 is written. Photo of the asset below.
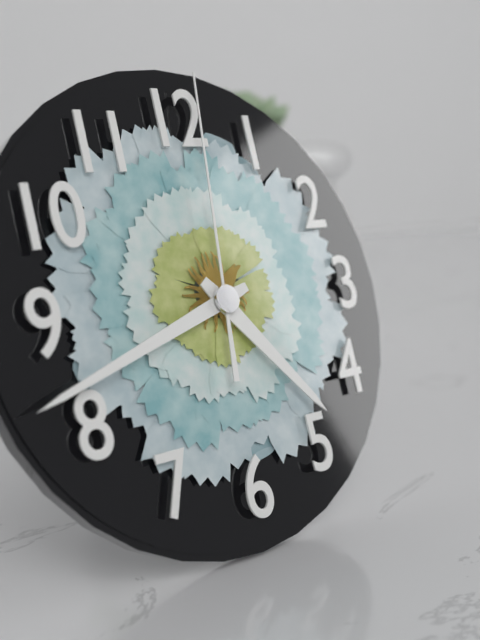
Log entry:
h=4 m=42 s=1
